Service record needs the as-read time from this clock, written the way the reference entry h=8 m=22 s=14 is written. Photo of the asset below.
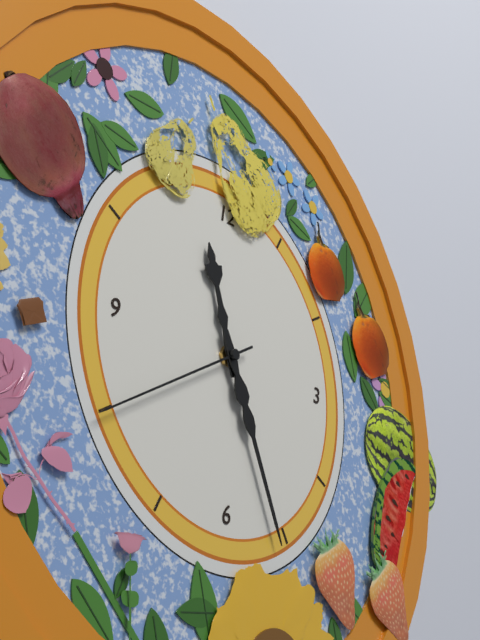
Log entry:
h=11 m=26 s=40
